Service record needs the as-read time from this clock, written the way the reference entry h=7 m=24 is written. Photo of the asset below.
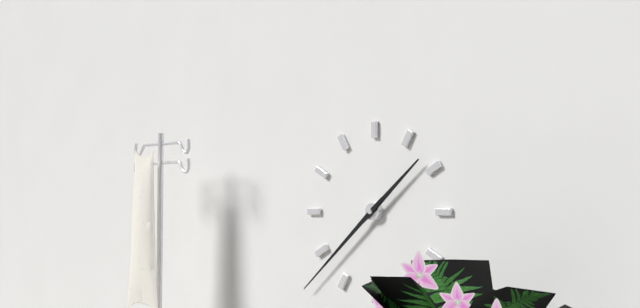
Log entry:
h=1 m=38
